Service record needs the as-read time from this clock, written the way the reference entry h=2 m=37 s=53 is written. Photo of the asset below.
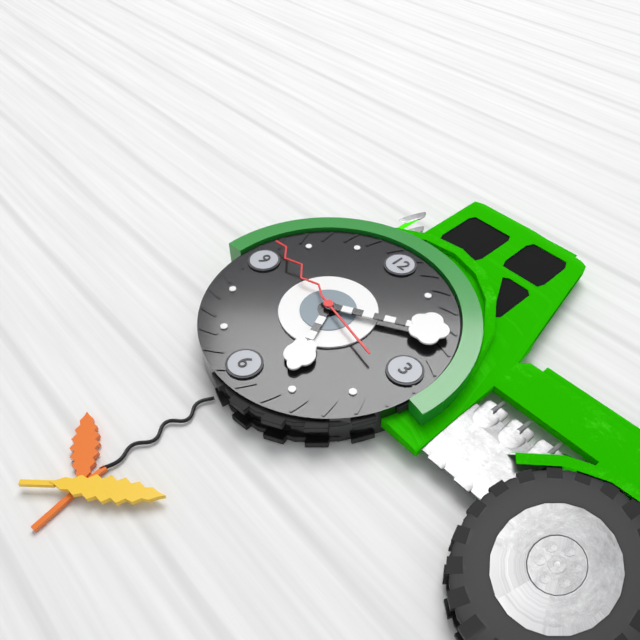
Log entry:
h=5 m=10 s=47
